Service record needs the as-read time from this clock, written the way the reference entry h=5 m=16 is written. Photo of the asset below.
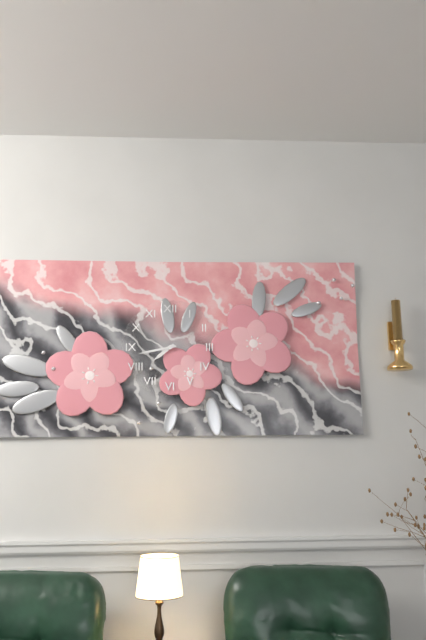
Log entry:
h=7 m=43
